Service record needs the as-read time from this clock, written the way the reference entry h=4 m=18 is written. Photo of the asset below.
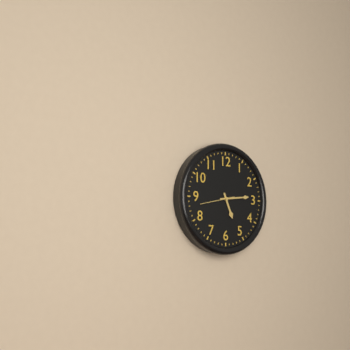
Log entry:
h=5 m=14
